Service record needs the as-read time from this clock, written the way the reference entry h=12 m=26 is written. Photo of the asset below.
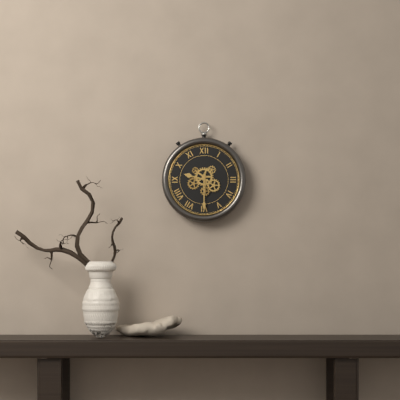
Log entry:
h=9 m=30
